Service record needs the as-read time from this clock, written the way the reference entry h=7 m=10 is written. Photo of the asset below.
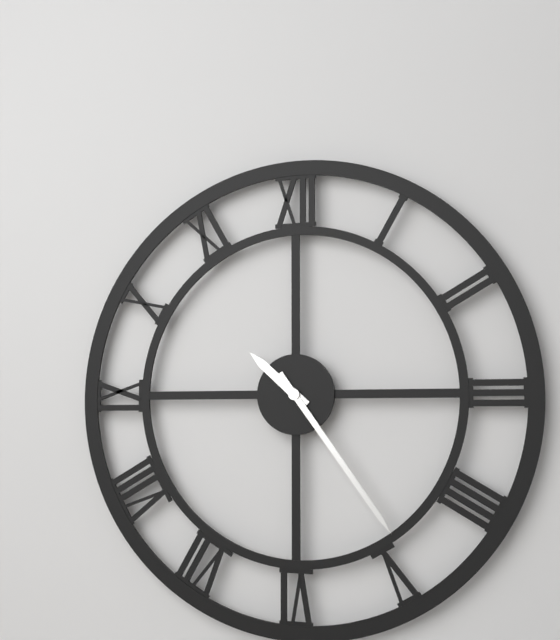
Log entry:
h=10 m=24
